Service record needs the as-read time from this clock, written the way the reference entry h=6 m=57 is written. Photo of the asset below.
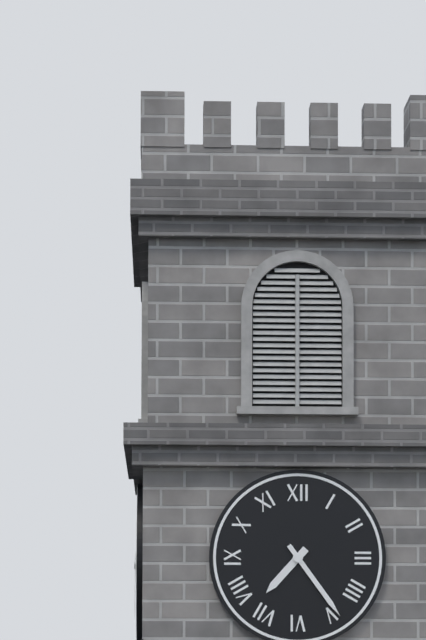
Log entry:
h=7 m=24
